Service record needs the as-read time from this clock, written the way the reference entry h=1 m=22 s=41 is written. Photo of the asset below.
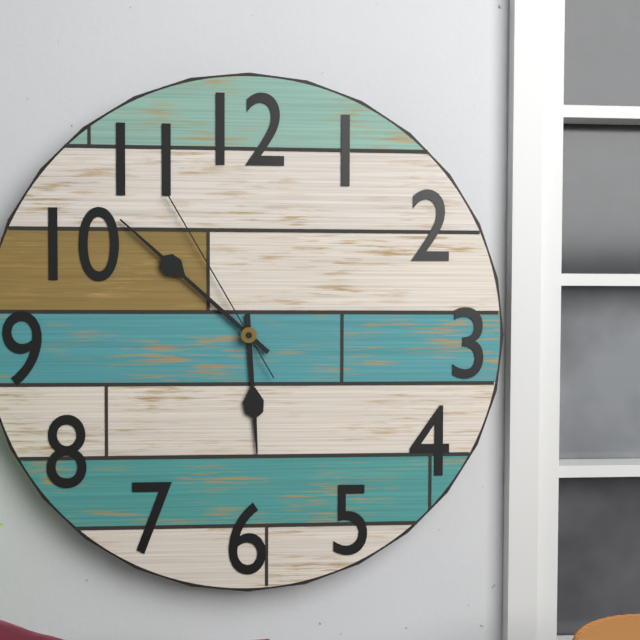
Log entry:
h=5 m=52 s=55
